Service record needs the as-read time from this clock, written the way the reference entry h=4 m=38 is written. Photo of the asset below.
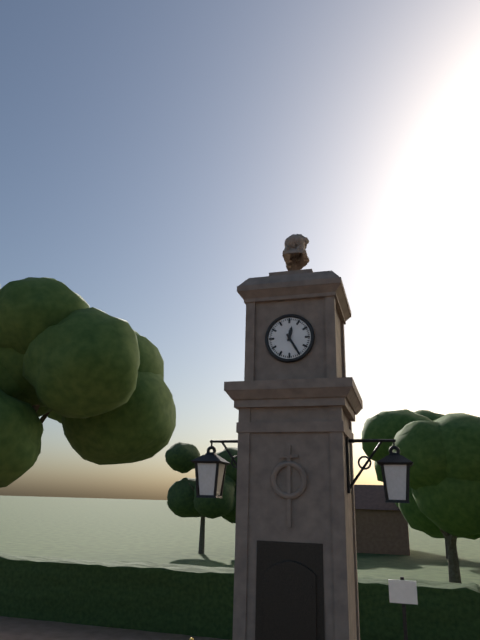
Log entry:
h=12 m=25
